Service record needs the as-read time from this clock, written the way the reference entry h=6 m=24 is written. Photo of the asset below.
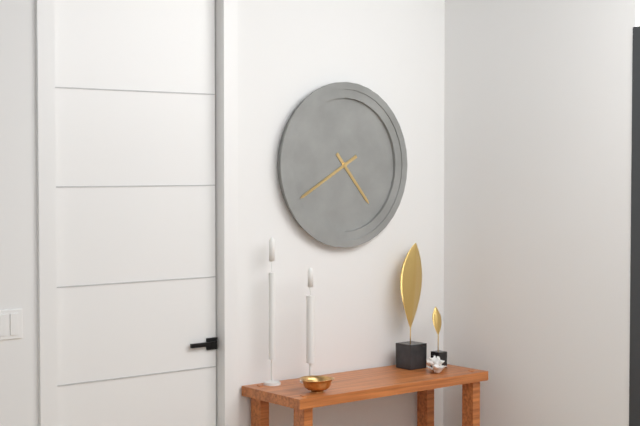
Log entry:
h=4 m=40
